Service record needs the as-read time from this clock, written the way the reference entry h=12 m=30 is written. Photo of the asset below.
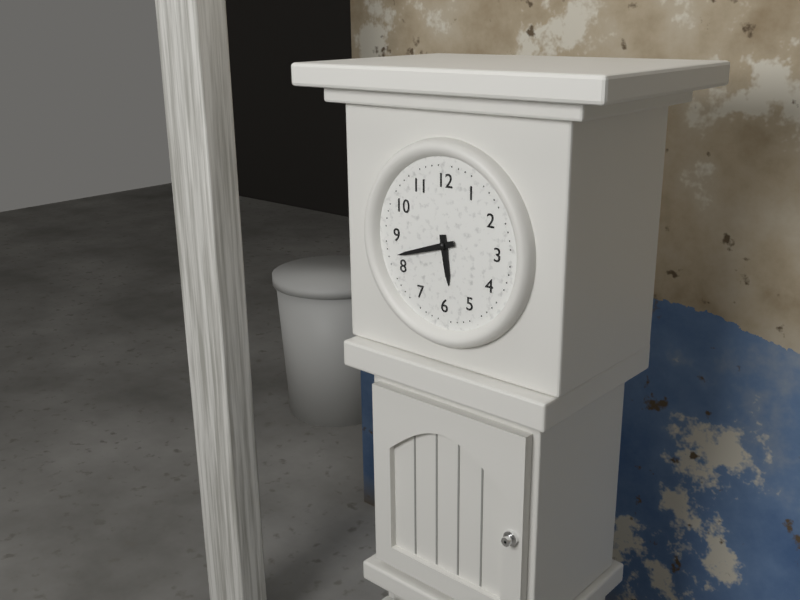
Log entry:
h=5 m=42
